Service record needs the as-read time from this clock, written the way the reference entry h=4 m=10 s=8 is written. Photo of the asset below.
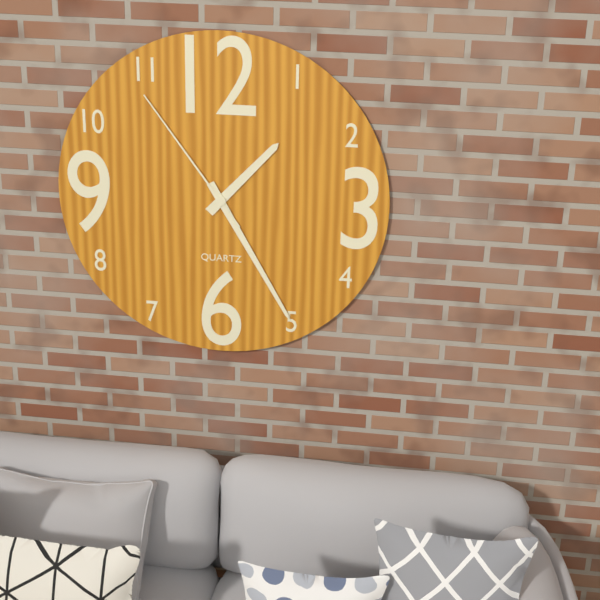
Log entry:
h=1 m=25 s=54
